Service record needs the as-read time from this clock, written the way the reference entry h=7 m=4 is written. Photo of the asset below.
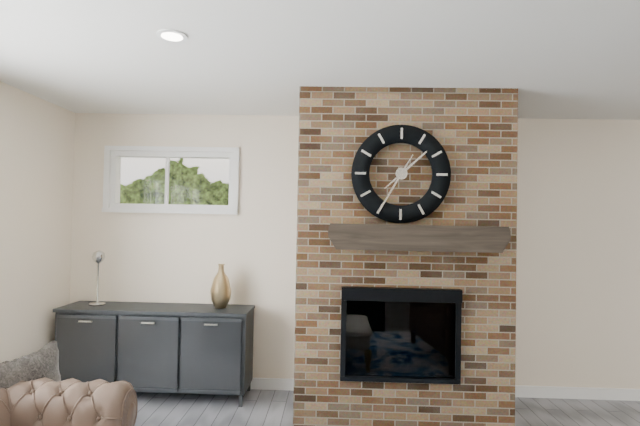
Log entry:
h=1 m=35
